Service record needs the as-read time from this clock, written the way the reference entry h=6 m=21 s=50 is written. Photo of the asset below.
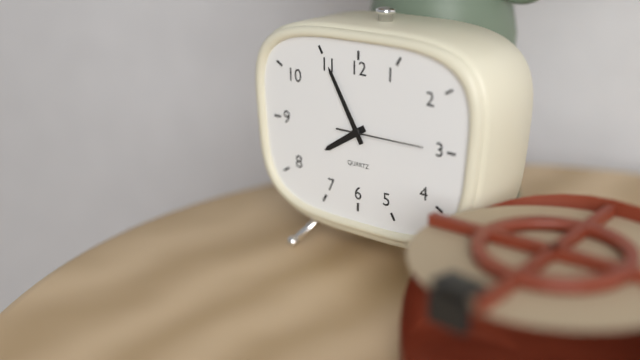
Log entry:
h=7 m=55 s=15
